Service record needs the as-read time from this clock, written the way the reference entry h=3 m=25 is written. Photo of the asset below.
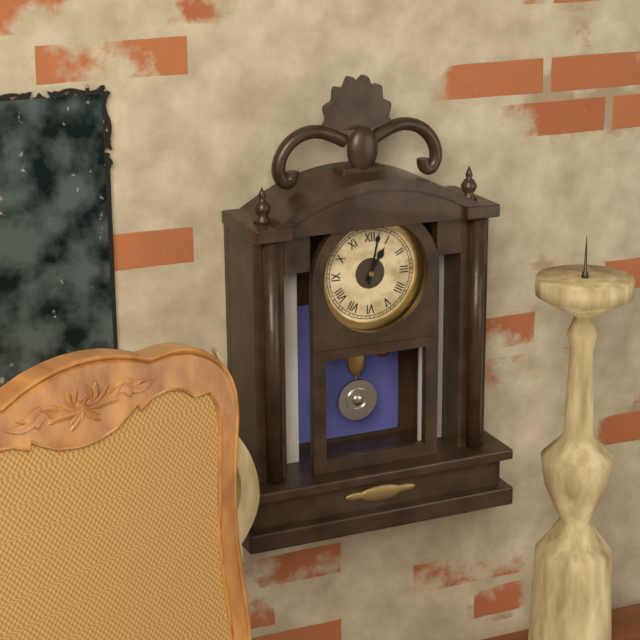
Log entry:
h=1 m=2
